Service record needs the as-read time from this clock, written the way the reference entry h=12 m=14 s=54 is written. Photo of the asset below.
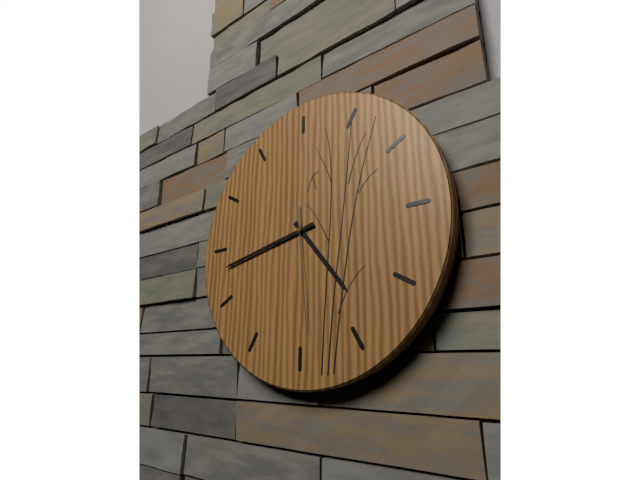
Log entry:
h=4 m=43 s=29
